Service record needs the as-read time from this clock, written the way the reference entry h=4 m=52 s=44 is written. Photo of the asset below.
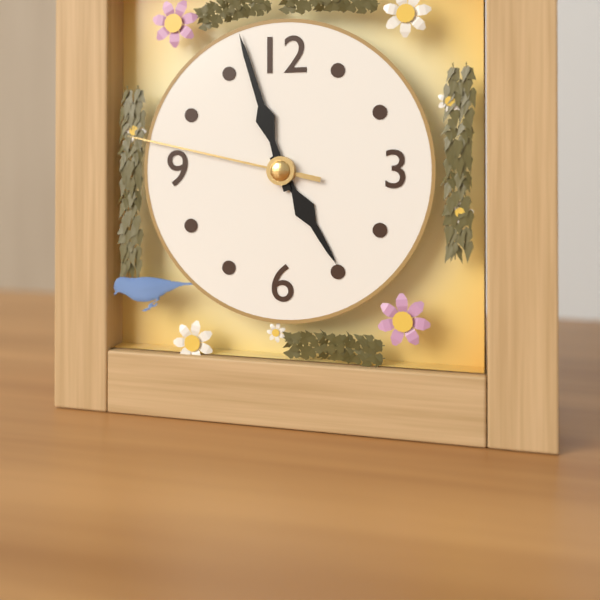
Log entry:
h=4 m=57 s=47
